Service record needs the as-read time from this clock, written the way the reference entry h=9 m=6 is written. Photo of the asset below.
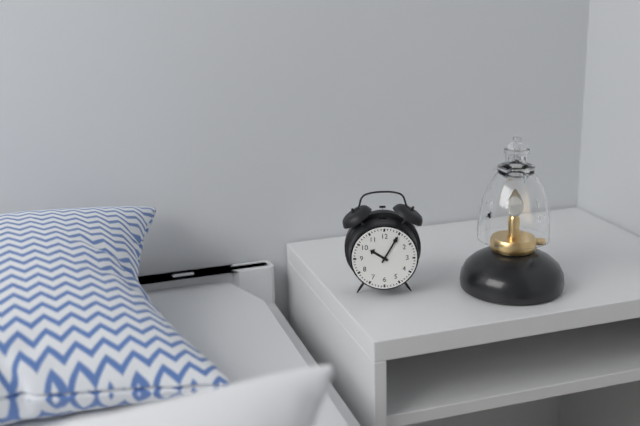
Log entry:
h=10 m=5
